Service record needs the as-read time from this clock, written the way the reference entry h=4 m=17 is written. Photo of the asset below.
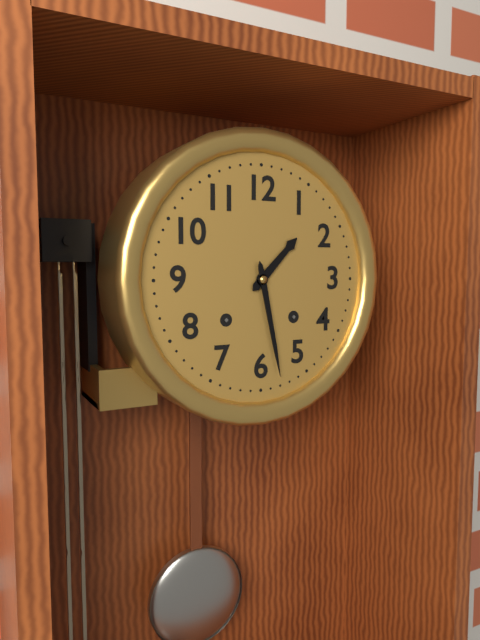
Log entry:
h=1 m=28
